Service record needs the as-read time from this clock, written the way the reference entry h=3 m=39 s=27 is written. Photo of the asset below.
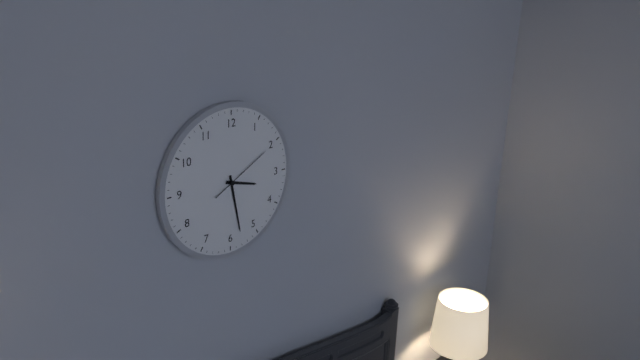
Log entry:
h=3 m=28 s=10
